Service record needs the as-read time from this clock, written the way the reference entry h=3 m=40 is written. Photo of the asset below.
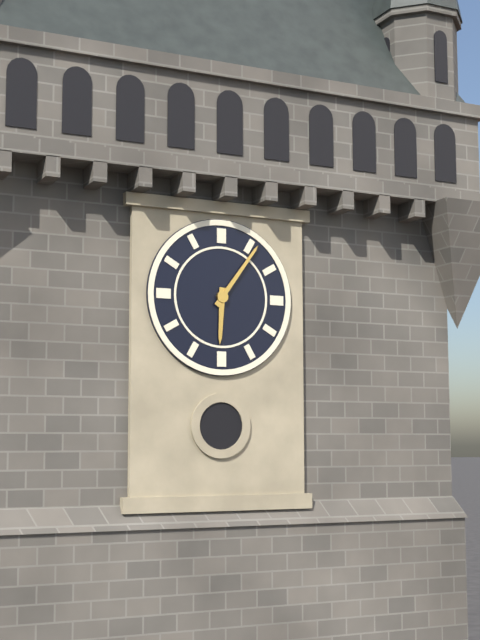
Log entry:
h=6 m=6
